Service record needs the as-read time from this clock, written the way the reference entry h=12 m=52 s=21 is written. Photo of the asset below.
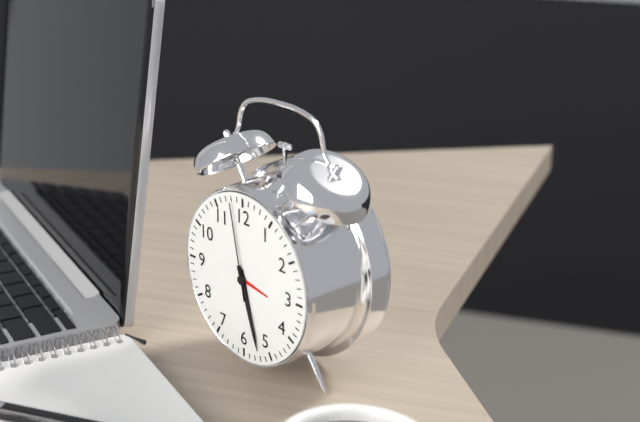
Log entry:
h=5 m=27 s=58
